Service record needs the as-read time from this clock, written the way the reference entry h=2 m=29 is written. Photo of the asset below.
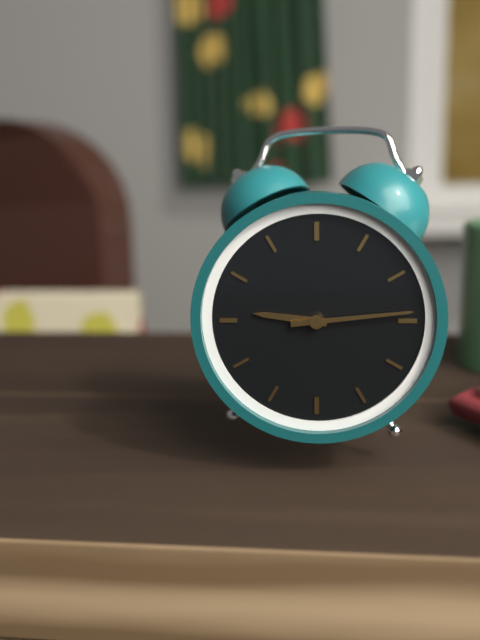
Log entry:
h=9 m=14
